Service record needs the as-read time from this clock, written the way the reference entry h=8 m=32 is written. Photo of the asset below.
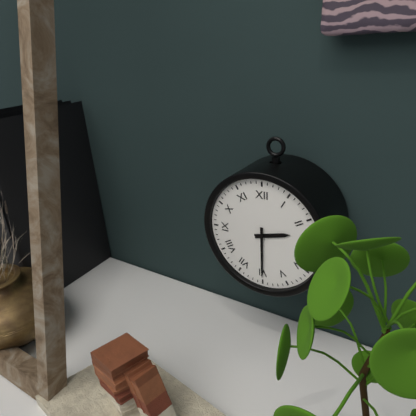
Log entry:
h=2 m=30
